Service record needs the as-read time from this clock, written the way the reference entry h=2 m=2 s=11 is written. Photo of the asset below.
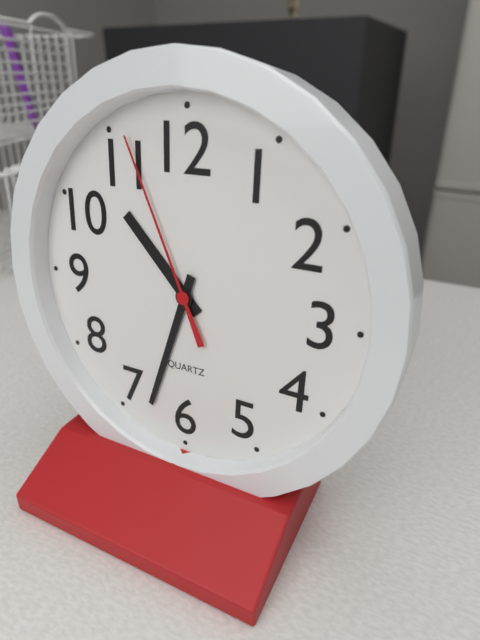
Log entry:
h=10 m=33 s=56
